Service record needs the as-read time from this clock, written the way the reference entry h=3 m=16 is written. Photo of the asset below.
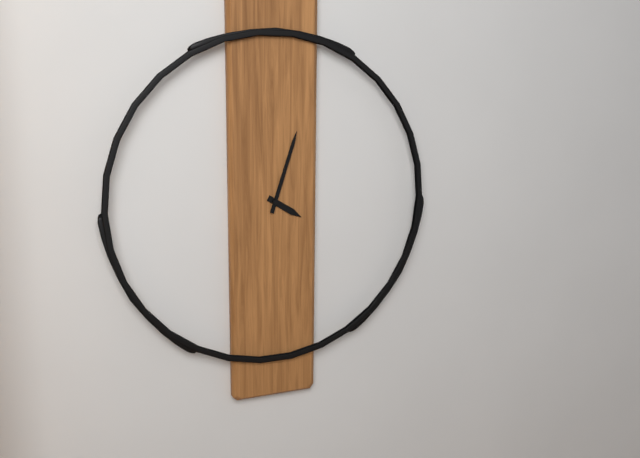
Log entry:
h=4 m=3
